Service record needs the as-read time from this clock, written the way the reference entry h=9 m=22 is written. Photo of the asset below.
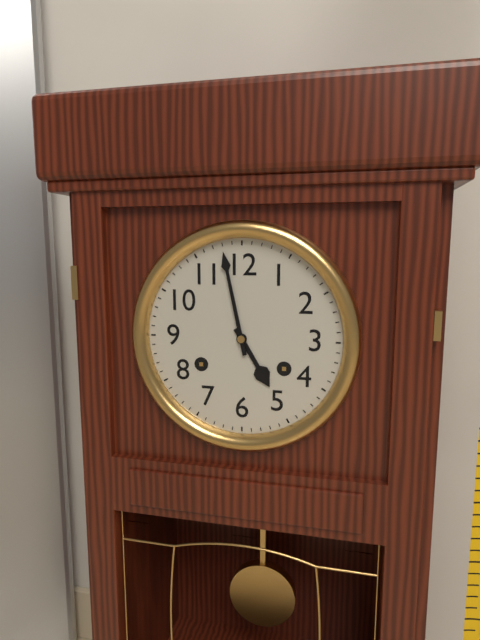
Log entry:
h=4 m=58
